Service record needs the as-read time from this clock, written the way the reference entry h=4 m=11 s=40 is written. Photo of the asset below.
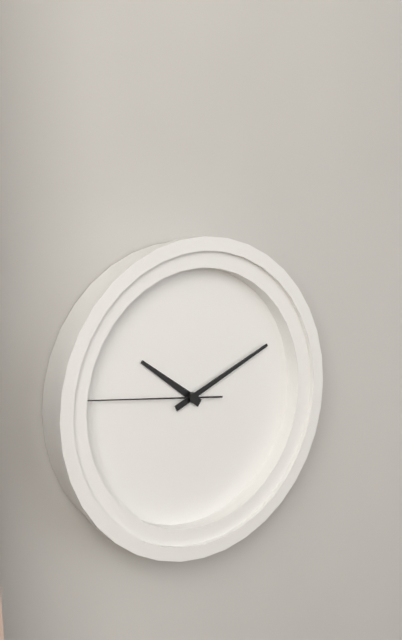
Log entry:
h=10 m=11 s=46
